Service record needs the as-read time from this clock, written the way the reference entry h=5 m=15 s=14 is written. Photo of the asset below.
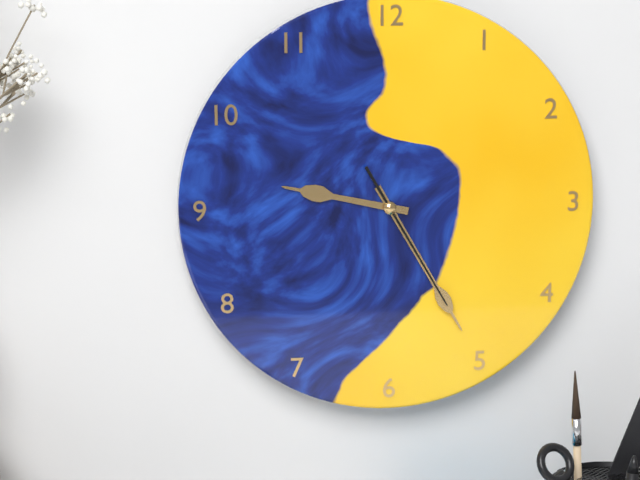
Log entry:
h=9 m=25 s=25
